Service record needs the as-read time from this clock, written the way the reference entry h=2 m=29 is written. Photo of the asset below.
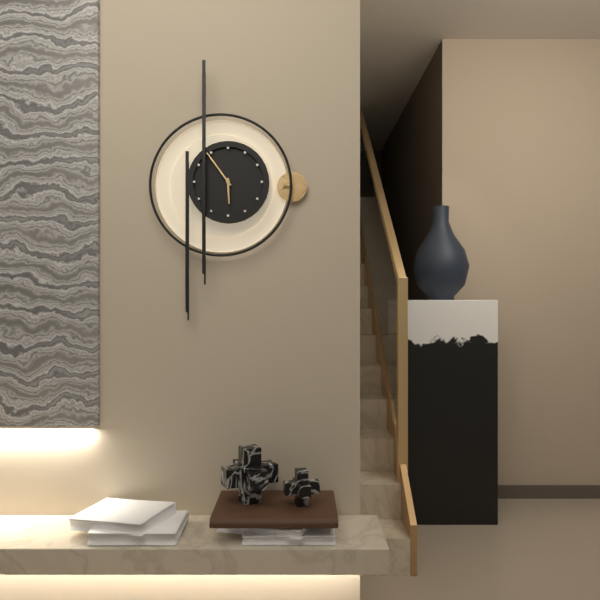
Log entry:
h=5 m=54
